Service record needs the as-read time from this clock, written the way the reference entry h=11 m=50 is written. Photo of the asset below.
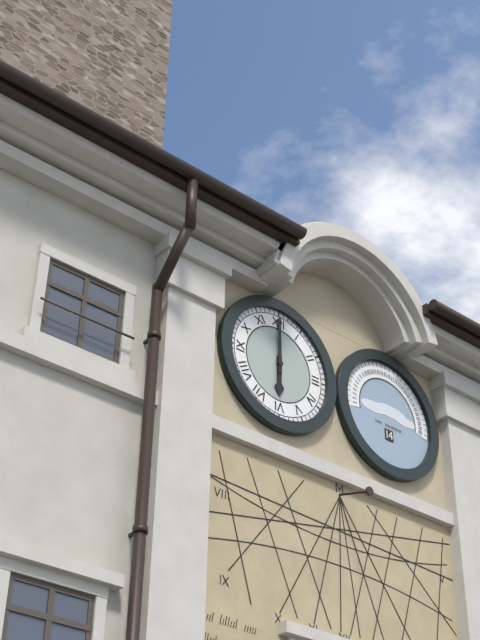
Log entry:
h=6 m=0
